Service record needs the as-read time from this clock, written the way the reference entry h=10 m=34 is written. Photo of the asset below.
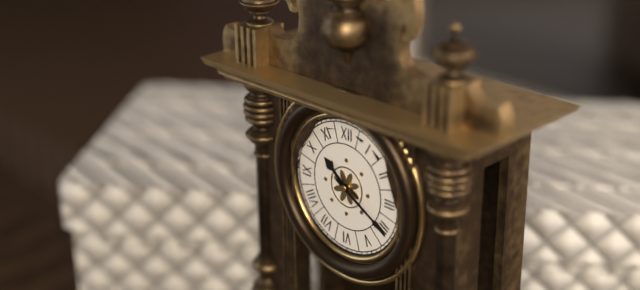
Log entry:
h=10 m=20
